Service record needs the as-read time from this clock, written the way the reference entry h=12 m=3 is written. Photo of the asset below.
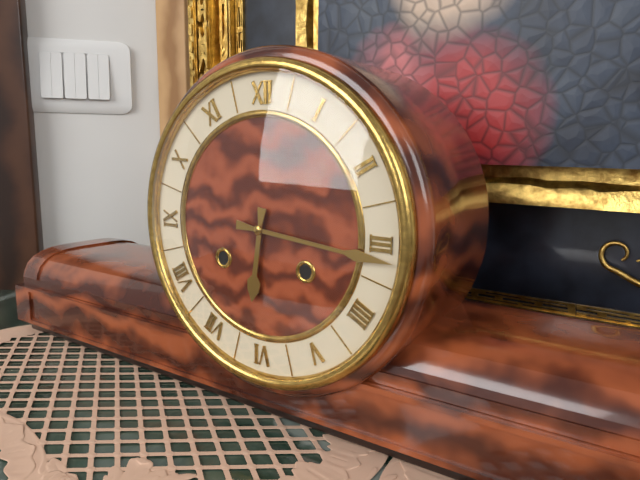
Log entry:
h=6 m=16
